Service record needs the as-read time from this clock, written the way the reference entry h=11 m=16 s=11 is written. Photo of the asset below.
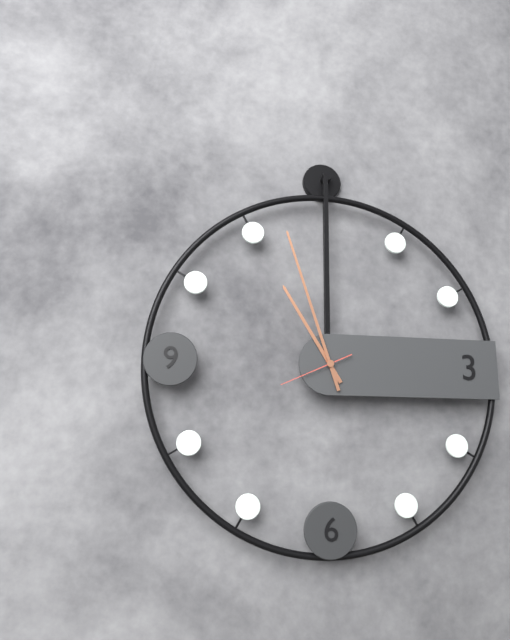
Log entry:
h=10 m=57 s=41
